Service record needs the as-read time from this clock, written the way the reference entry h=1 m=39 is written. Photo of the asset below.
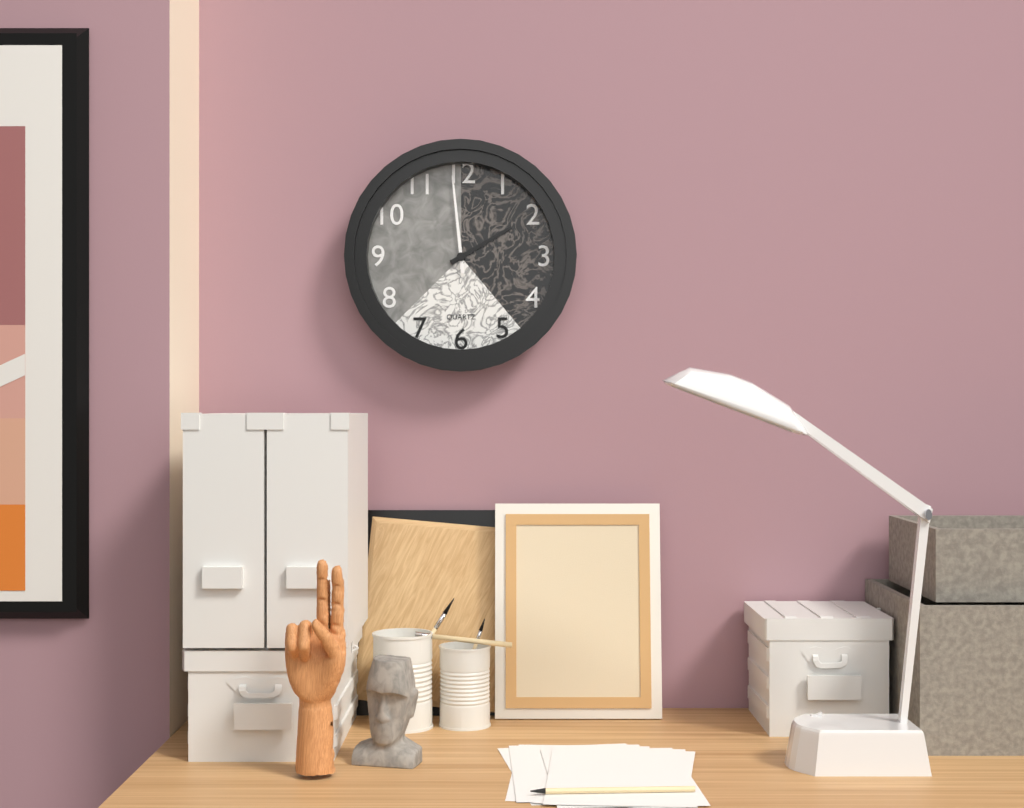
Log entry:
h=1 m=59
